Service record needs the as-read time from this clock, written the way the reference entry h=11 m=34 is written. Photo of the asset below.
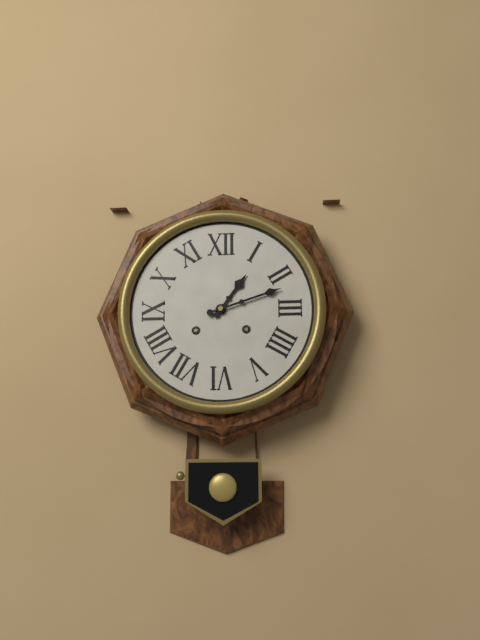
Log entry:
h=1 m=12
